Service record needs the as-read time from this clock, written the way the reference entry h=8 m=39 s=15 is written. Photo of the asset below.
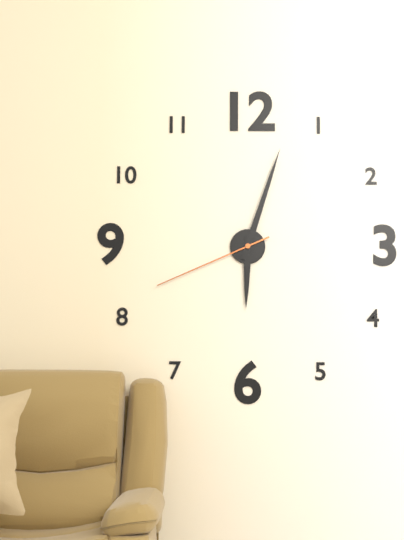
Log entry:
h=6 m=3 s=41
